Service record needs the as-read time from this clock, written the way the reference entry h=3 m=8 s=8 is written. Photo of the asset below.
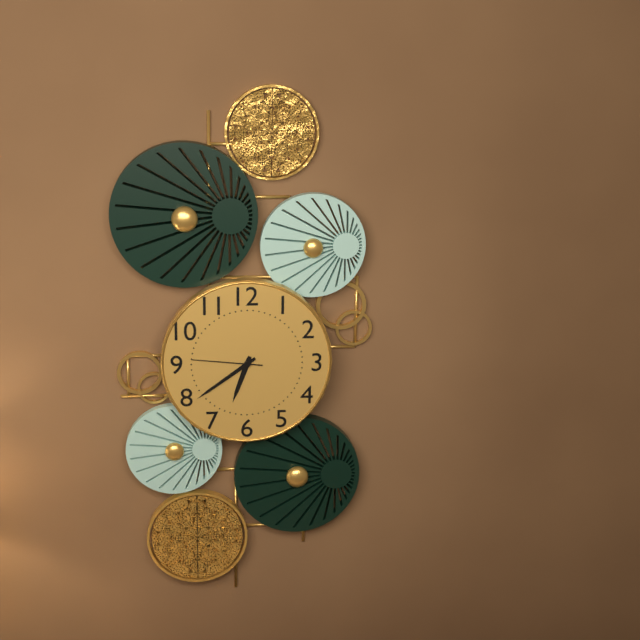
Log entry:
h=6 m=39 s=46
